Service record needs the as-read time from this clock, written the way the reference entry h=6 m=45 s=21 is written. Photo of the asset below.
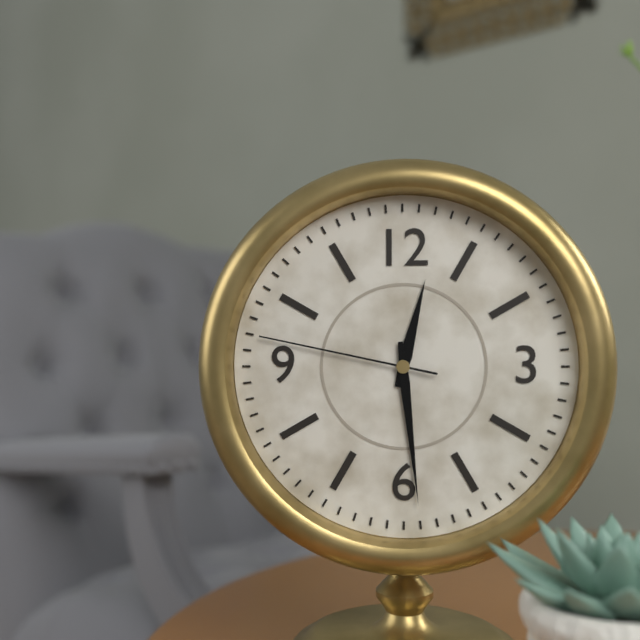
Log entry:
h=12 m=29 s=47
